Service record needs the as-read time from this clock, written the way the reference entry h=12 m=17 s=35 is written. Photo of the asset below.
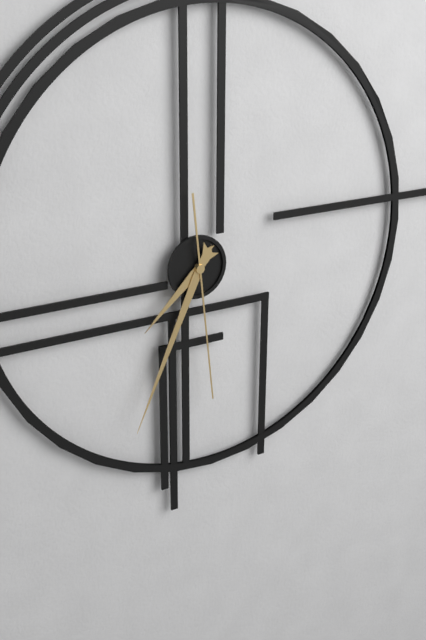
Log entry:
h=7 m=34 s=29
